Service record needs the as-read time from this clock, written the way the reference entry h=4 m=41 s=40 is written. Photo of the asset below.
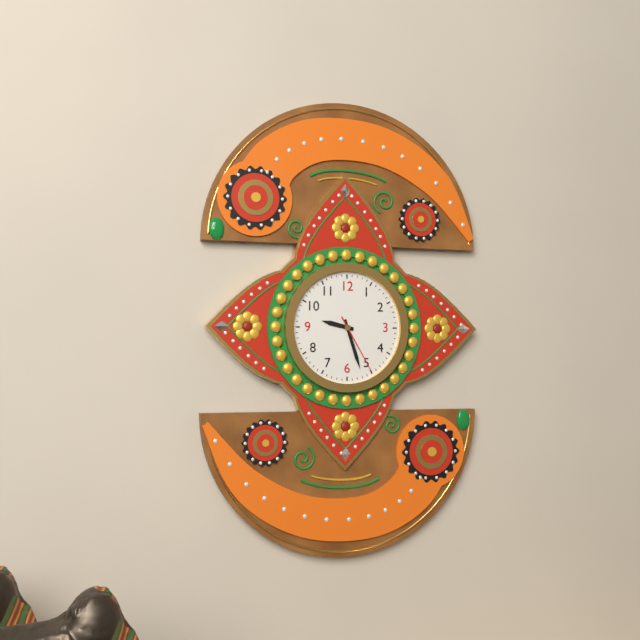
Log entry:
h=9 m=27 s=25
